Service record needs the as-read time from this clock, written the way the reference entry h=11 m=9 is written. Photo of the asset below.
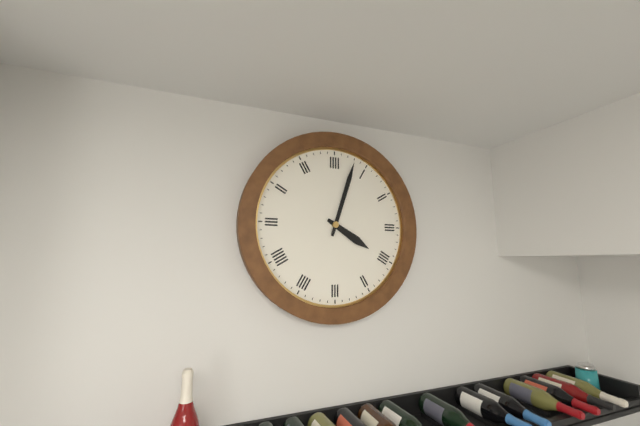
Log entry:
h=4 m=3
